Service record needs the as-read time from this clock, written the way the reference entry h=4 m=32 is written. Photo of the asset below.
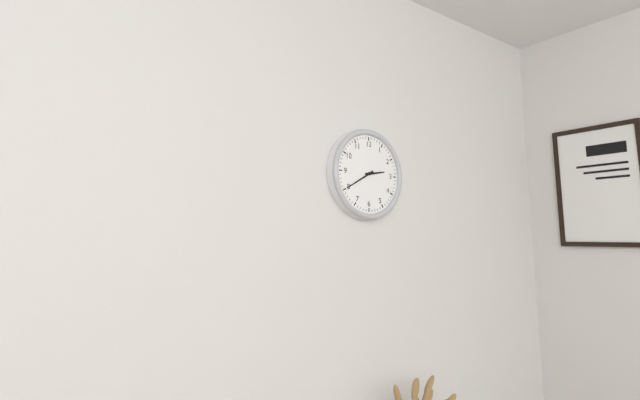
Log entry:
h=2 m=40
